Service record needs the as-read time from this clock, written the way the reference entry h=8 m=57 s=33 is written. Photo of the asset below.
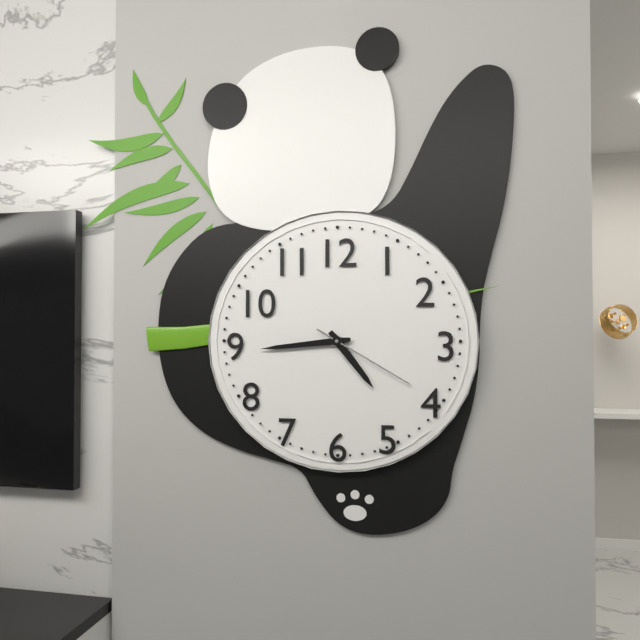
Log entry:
h=4 m=44 s=20
